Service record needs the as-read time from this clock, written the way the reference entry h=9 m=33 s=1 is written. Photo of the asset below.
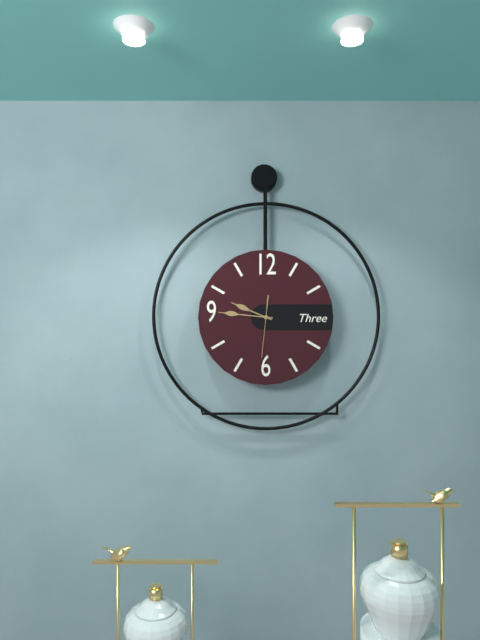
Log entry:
h=9 m=46 s=31
